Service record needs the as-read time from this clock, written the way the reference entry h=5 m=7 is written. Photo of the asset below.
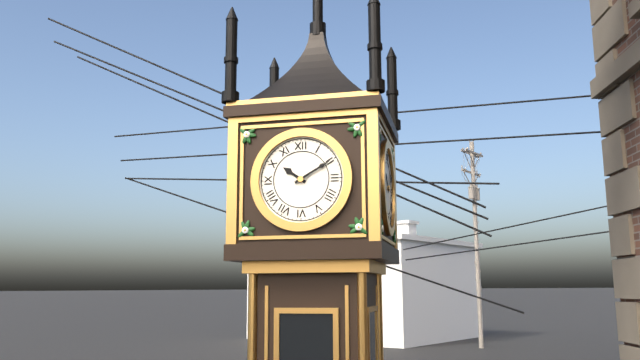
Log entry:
h=10 m=10
